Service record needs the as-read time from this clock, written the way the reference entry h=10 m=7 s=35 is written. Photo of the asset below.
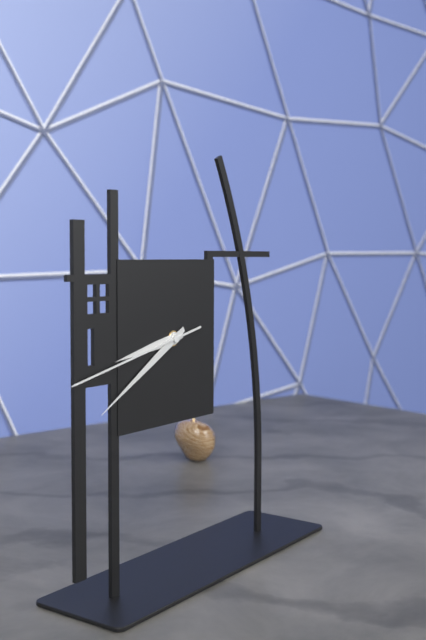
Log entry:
h=8 m=40 s=43
